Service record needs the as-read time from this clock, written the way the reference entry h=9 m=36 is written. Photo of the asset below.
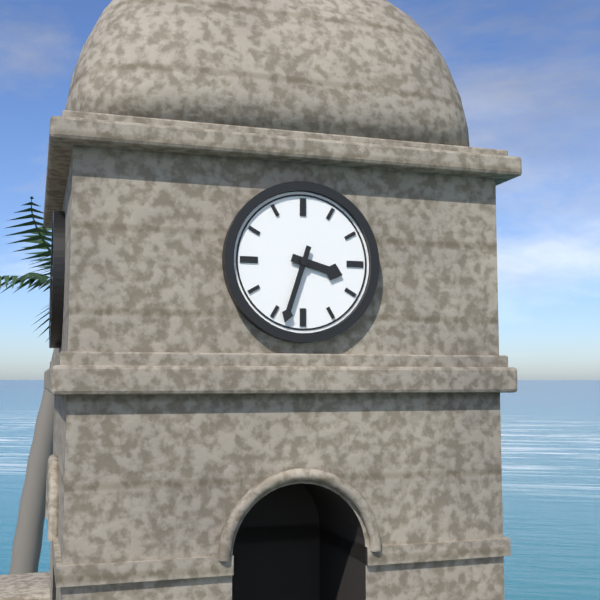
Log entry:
h=3 m=33
